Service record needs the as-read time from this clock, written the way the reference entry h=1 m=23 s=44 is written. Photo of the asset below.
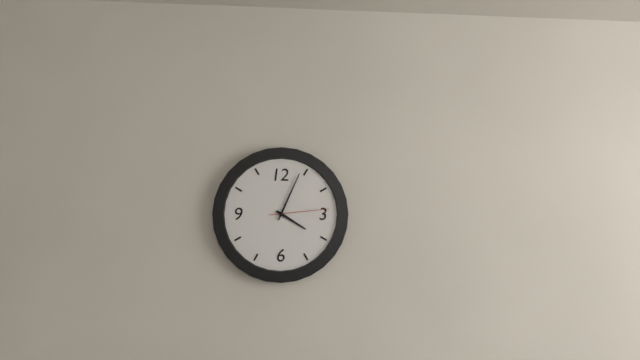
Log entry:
h=4 m=4 s=14
